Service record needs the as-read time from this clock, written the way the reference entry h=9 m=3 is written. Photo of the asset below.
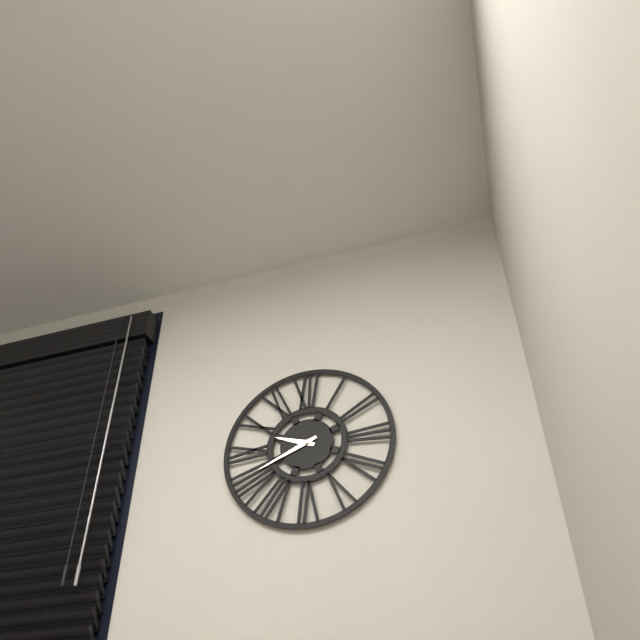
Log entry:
h=9 m=41
